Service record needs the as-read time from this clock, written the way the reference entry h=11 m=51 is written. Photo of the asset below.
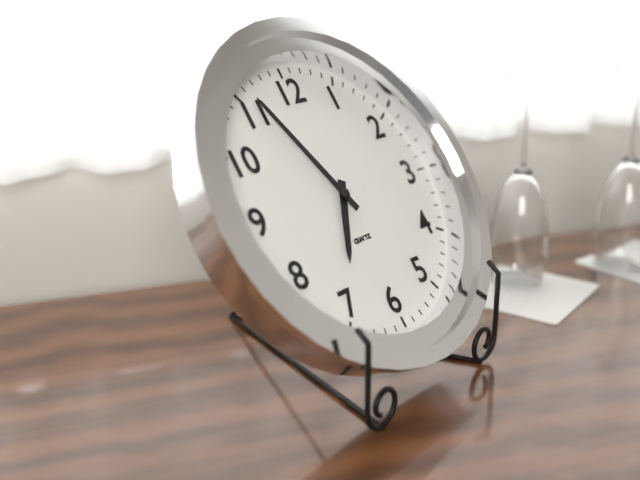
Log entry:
h=6 m=56
